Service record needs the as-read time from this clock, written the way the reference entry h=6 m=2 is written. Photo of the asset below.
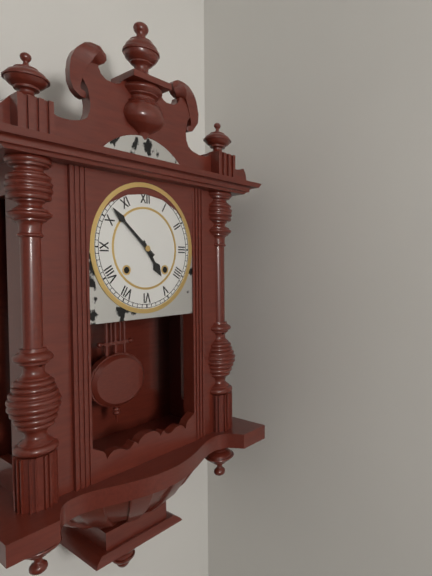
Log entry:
h=4 m=52
